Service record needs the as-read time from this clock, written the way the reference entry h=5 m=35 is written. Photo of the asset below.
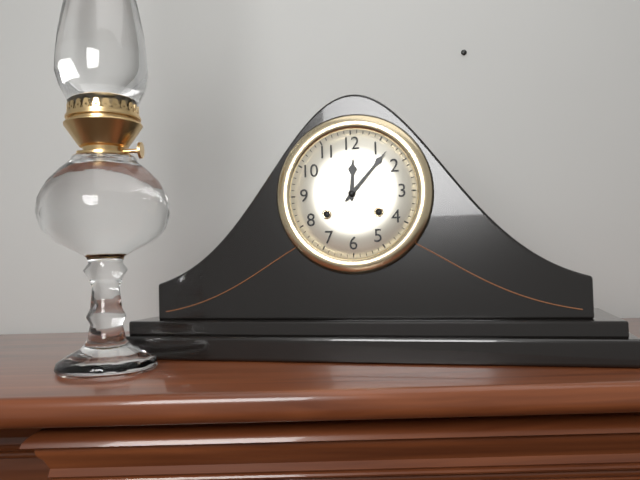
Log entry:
h=12 m=7
